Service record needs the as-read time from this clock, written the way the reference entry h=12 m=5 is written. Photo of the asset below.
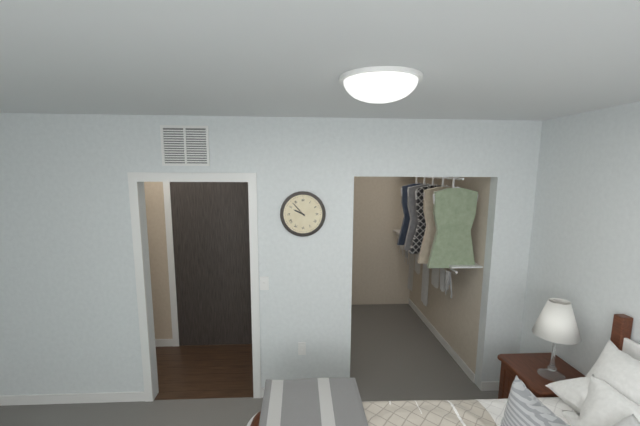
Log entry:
h=9 m=53
